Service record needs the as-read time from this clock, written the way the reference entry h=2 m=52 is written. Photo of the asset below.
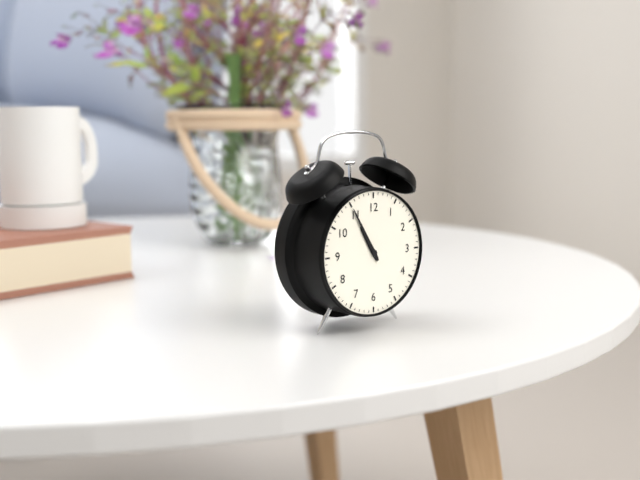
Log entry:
h=10 m=55
